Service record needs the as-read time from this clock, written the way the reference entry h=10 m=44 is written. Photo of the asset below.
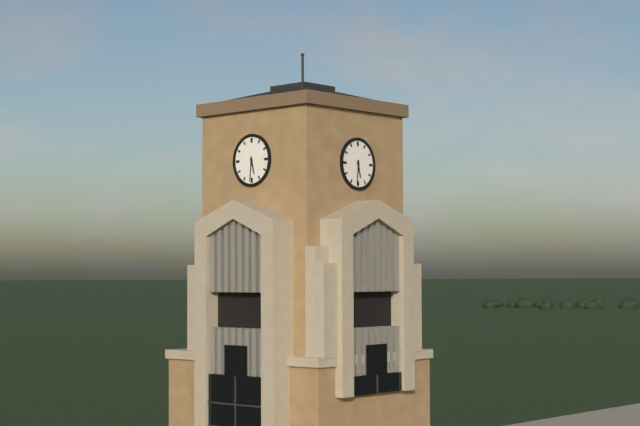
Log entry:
h=5 m=31
